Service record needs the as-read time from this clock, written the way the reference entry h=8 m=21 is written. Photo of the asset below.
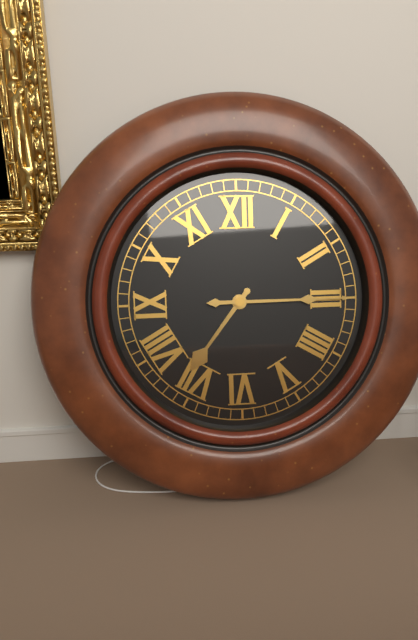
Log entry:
h=7 m=15
